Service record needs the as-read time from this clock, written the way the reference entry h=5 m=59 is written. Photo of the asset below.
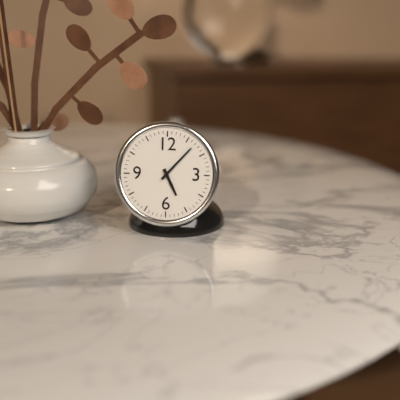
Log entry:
h=5 m=7
